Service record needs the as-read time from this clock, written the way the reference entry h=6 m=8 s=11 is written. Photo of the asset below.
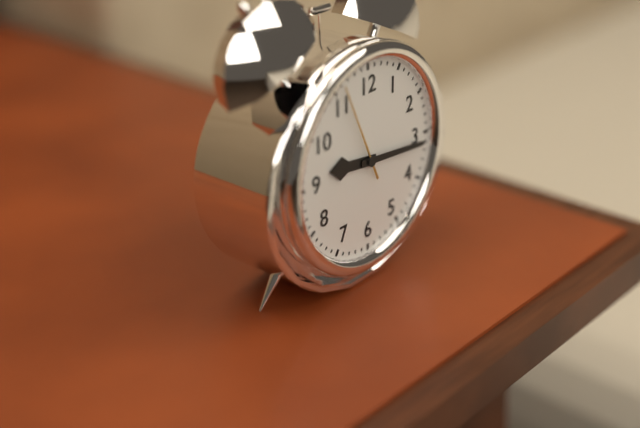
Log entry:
h=9 m=16 s=56
